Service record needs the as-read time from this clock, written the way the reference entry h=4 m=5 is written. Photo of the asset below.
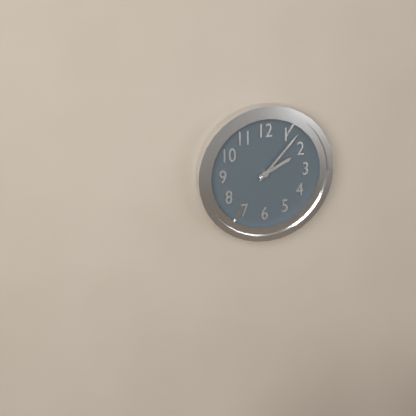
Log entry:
h=2 m=7
